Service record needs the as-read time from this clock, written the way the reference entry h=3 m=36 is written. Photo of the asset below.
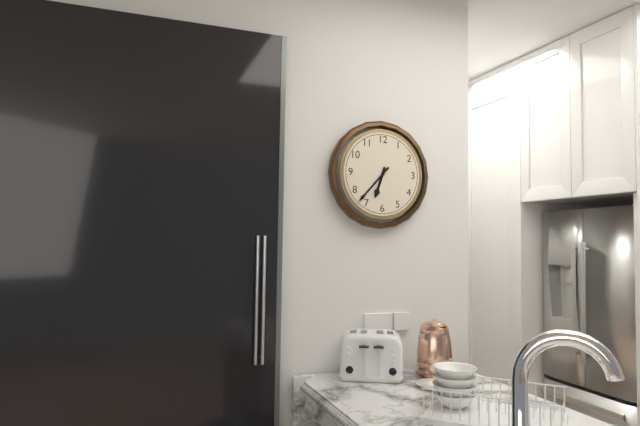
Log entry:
h=6 m=37
